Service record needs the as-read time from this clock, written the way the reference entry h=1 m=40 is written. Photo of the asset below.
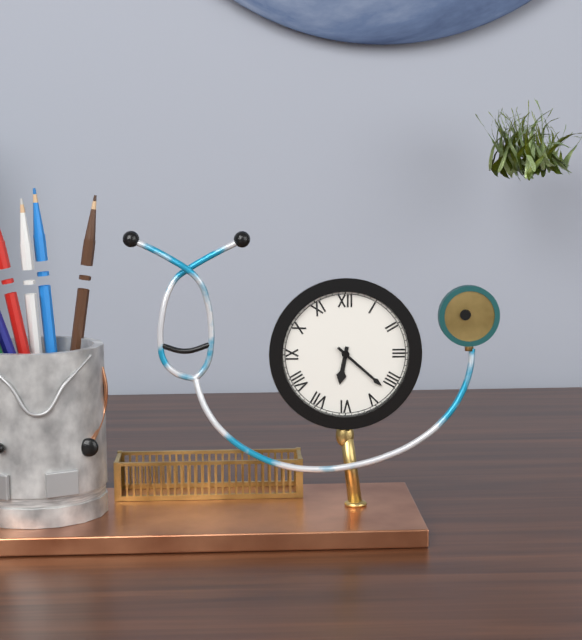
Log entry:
h=6 m=22
